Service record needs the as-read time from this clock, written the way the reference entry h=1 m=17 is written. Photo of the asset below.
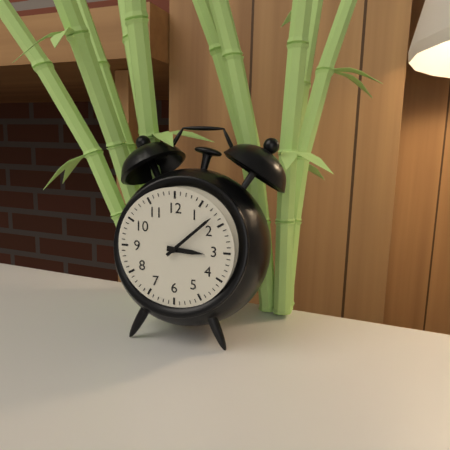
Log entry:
h=3 m=8
